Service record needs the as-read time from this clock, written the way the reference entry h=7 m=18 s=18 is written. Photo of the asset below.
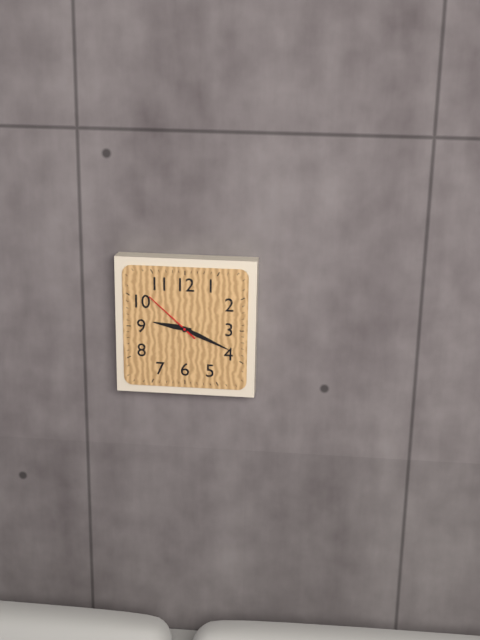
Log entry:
h=9 m=19 s=52
